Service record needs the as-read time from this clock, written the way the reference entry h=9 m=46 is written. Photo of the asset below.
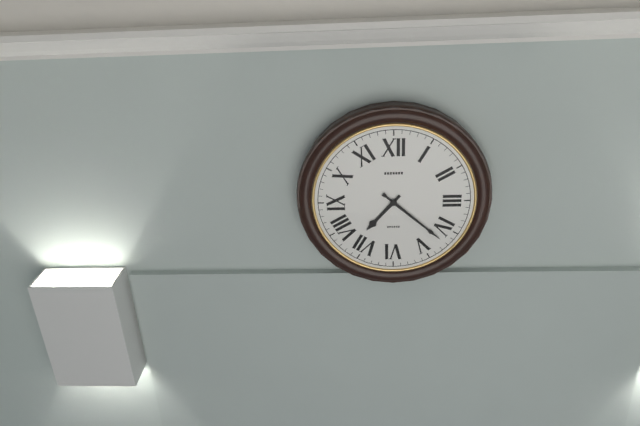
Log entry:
h=7 m=22
